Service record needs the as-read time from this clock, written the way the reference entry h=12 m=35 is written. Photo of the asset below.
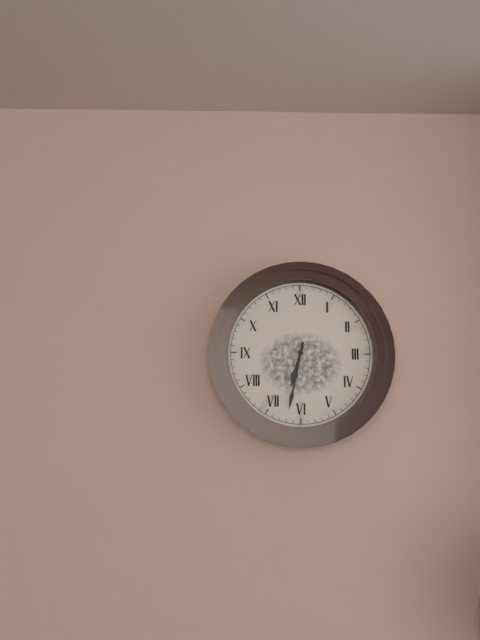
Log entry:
h=6 m=32
